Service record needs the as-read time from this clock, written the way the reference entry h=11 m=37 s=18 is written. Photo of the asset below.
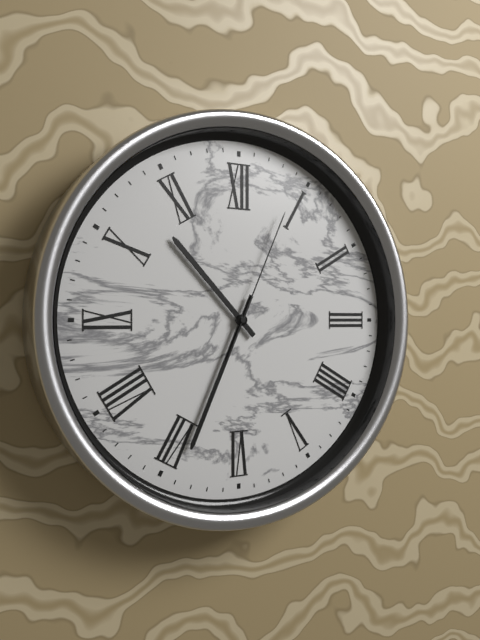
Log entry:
h=10 m=34 s=4
